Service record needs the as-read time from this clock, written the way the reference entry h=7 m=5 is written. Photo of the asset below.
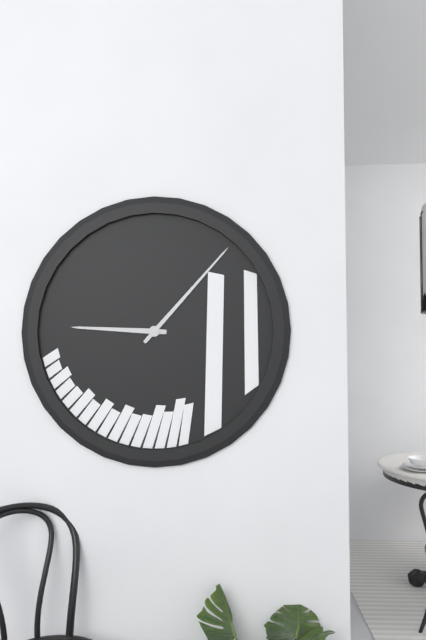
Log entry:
h=9 m=7
